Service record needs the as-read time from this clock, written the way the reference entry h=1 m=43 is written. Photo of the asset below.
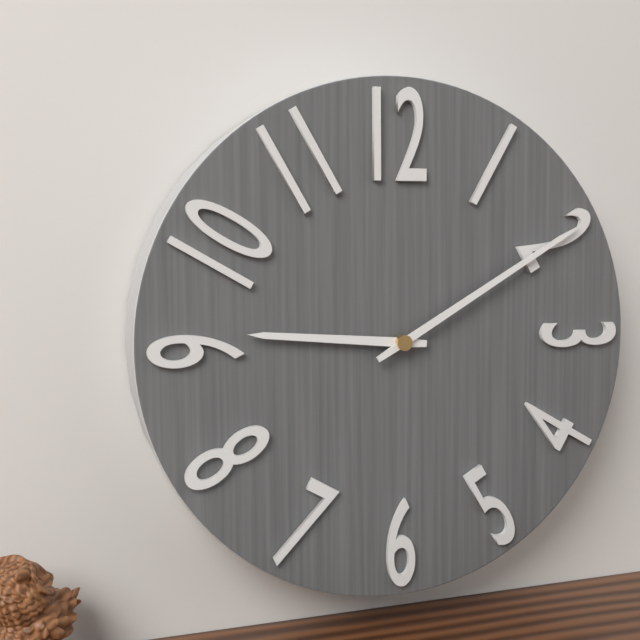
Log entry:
h=9 m=10
